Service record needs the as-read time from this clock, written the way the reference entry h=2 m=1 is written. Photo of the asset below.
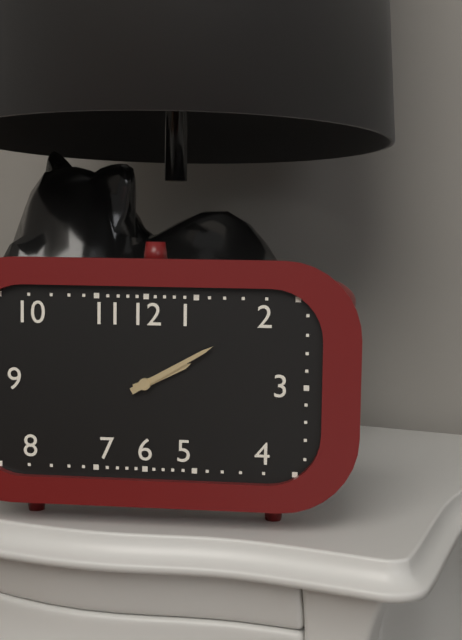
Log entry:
h=2 m=10
